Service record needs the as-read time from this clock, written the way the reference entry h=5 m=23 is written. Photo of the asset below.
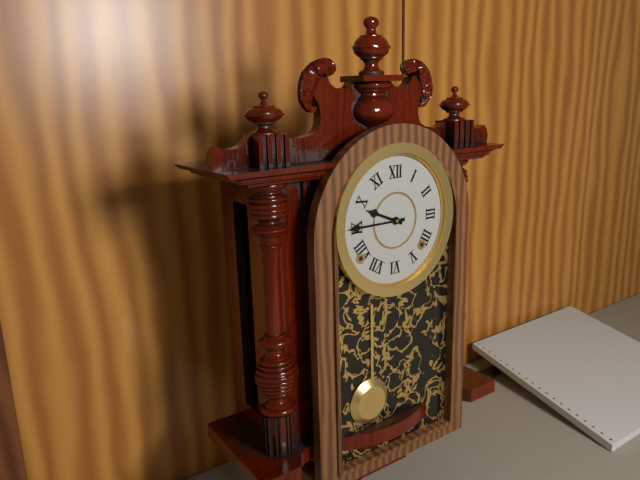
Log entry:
h=9 m=45
